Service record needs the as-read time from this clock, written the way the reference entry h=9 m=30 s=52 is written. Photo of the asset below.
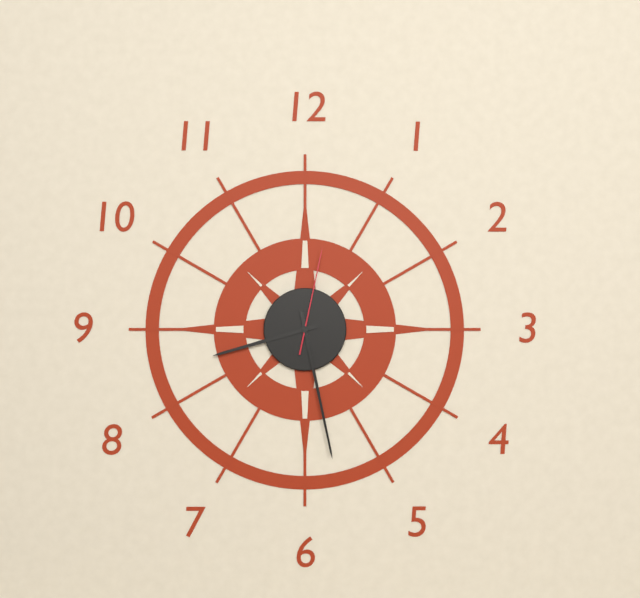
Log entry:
h=8 m=28 s=2
